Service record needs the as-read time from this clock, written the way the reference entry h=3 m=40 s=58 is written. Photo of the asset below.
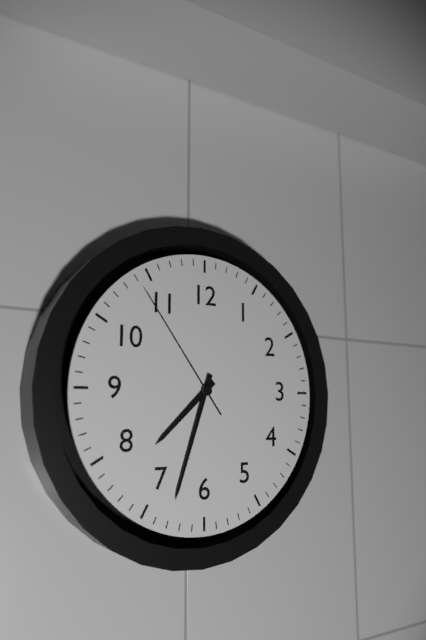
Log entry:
h=7 m=33 s=54
